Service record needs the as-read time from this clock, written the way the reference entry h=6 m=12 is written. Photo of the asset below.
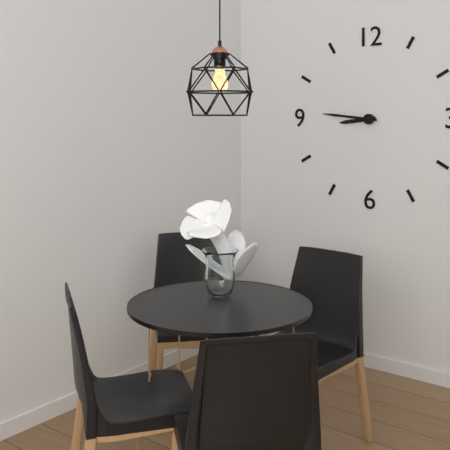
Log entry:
h=8 m=46
